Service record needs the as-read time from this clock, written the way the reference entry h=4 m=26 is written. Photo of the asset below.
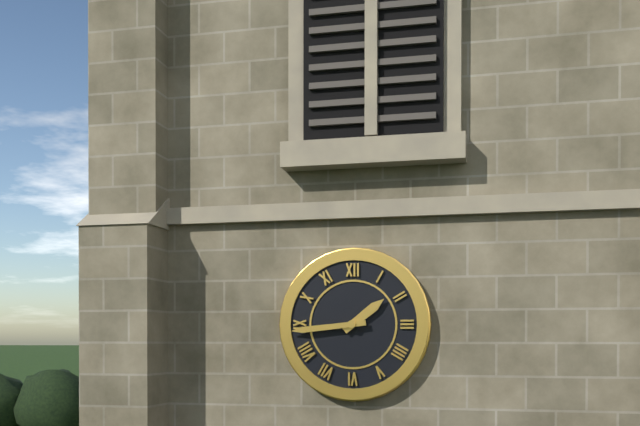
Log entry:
h=1 m=44
